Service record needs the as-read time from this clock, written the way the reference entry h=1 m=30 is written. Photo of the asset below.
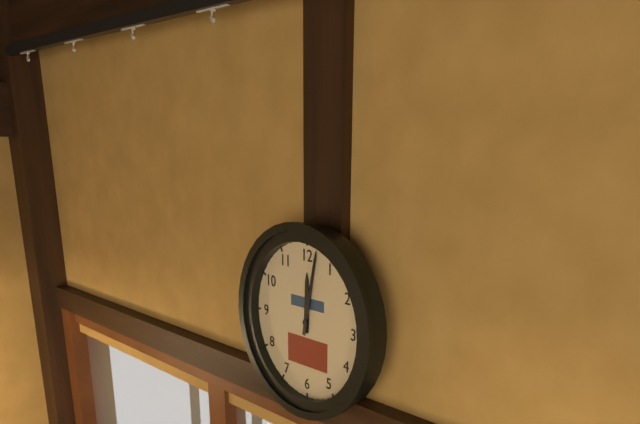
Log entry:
h=12 m=2
